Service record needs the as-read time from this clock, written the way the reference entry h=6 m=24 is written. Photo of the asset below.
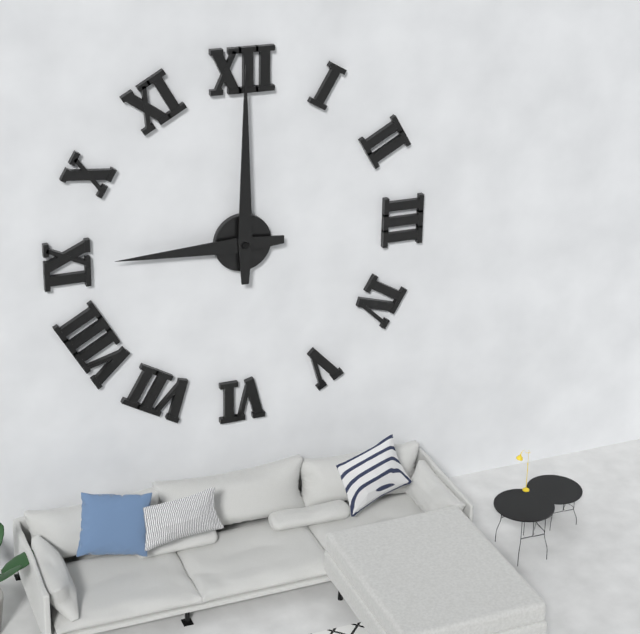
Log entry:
h=9 m=0
